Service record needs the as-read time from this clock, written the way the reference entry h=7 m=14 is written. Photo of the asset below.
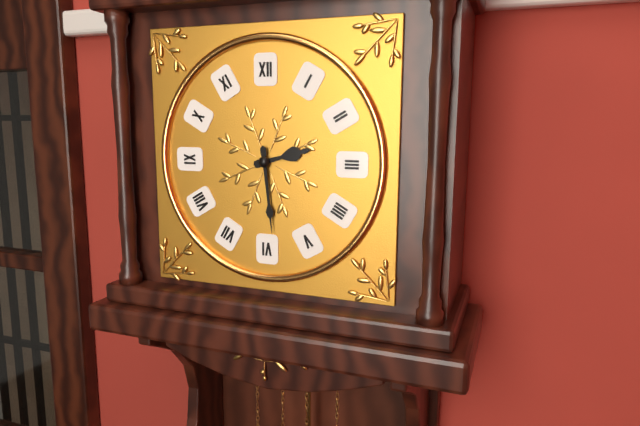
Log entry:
h=2 m=29
